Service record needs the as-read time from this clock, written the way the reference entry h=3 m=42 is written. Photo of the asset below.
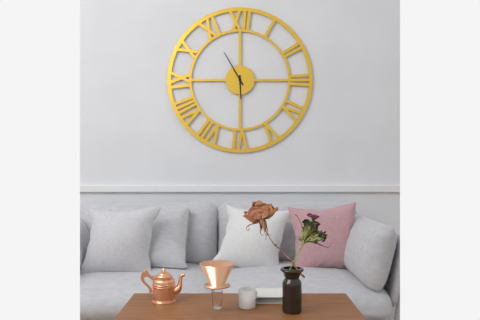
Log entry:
h=5 m=55
